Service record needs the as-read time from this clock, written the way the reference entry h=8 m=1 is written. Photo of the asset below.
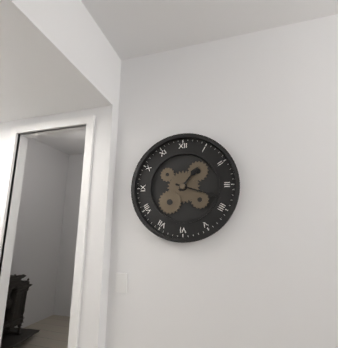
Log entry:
h=1 m=18
